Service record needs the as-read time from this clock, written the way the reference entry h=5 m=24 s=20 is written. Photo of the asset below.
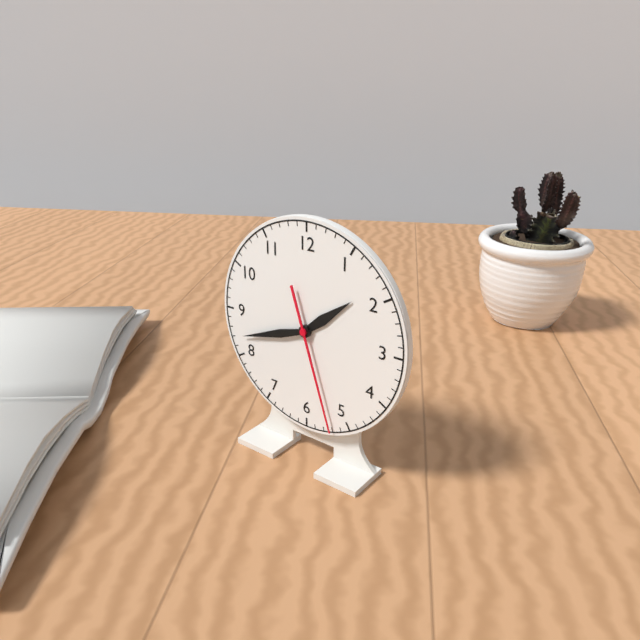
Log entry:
h=1 m=42 s=27
